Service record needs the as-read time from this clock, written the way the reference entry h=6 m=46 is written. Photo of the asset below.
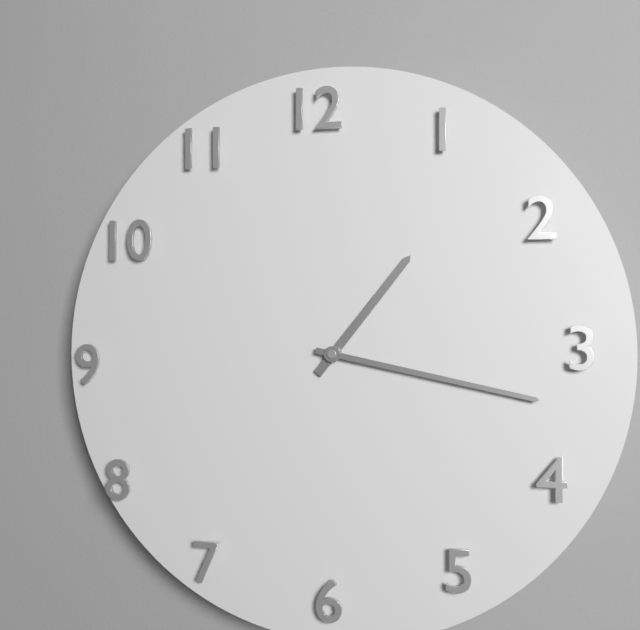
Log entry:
h=1 m=17
